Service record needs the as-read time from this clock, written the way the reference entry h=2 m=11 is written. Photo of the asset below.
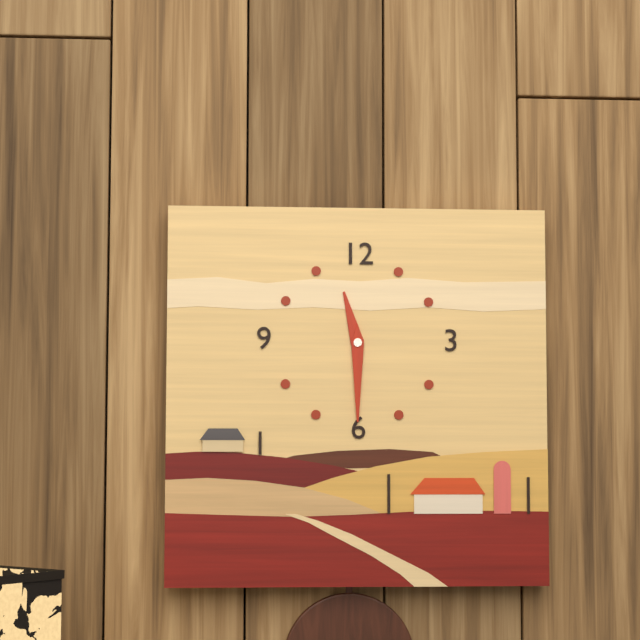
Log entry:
h=11 m=30
